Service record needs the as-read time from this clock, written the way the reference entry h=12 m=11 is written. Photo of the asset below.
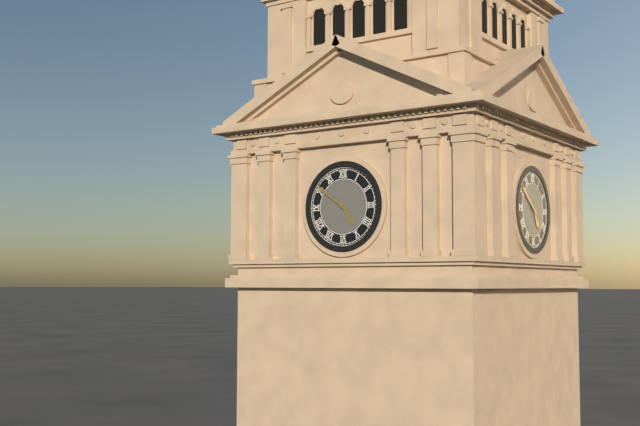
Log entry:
h=4 m=51
